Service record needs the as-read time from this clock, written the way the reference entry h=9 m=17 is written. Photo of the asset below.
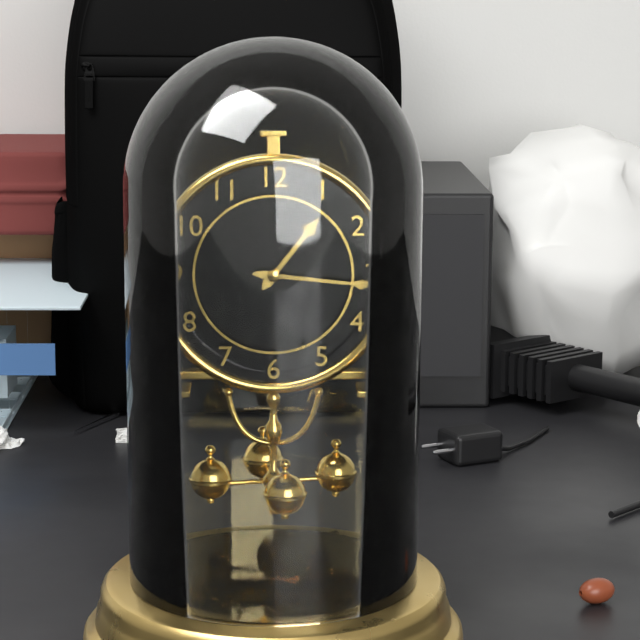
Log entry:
h=1 m=16
